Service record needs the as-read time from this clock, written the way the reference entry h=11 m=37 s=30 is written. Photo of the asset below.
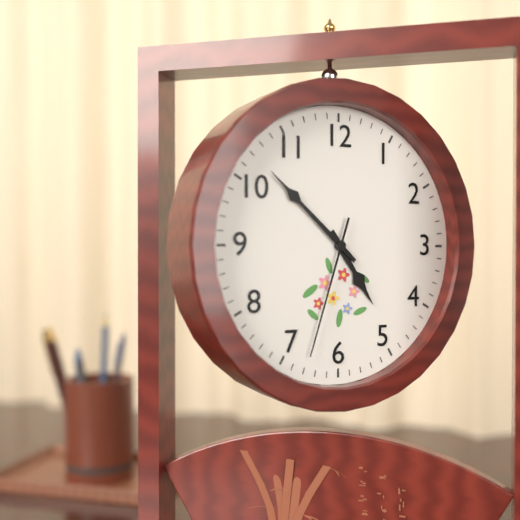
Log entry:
h=4 m=52 s=33
